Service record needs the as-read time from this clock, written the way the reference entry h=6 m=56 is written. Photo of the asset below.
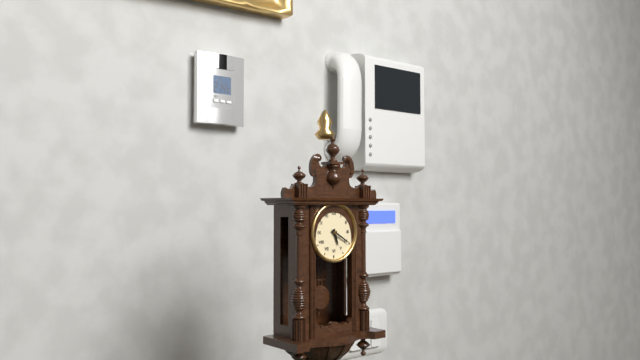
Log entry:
h=5 m=20
